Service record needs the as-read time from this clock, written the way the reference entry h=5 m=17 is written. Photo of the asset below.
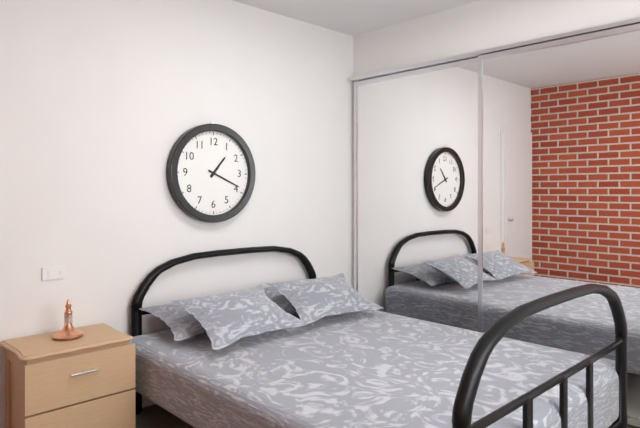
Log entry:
h=1 m=19
